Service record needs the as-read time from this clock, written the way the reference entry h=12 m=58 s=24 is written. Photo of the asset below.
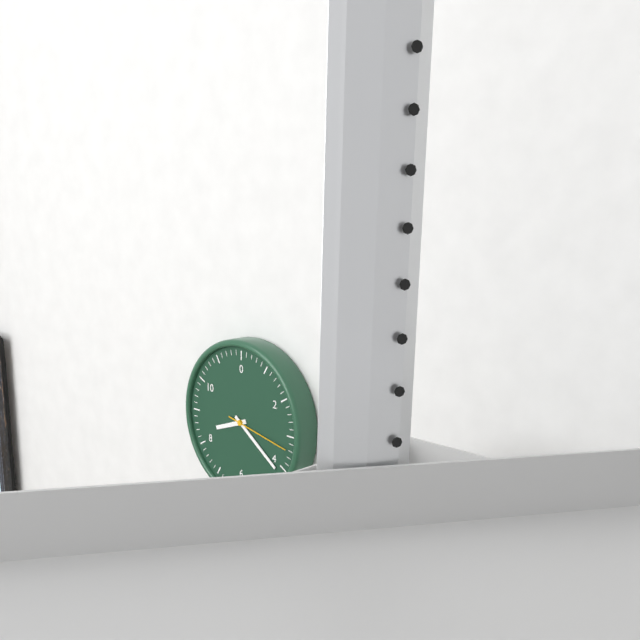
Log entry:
h=8 m=21 s=17
